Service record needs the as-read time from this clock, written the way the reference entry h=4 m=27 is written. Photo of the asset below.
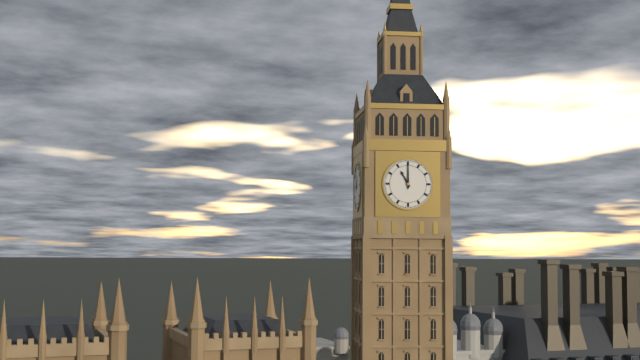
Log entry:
h=11 m=0
